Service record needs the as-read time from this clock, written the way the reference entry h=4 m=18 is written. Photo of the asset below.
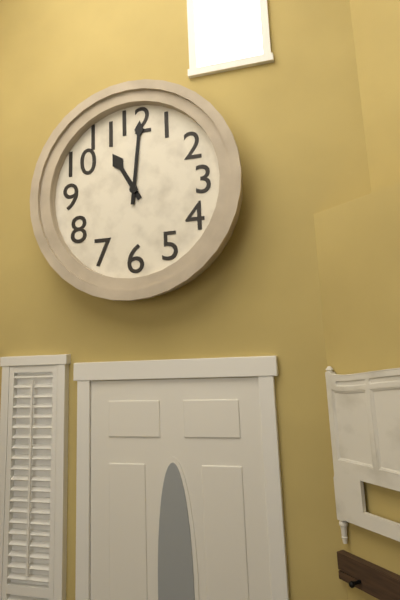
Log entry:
h=11 m=1
